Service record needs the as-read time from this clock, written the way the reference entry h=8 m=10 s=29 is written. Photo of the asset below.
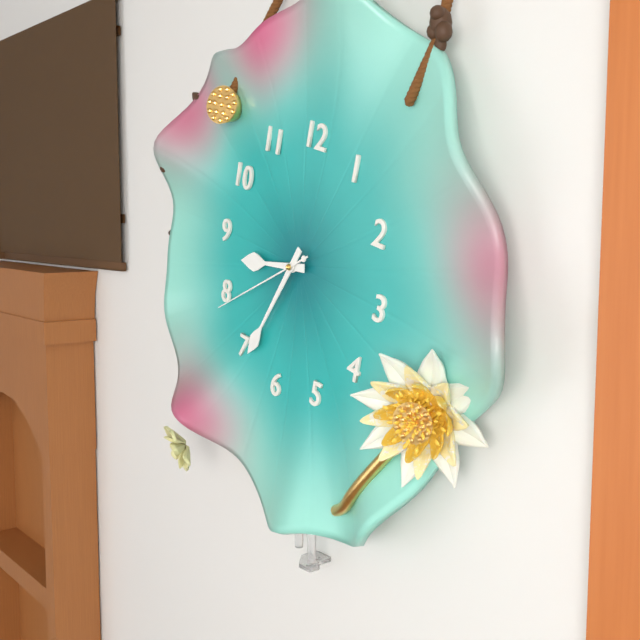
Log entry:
h=8 m=34 s=39
